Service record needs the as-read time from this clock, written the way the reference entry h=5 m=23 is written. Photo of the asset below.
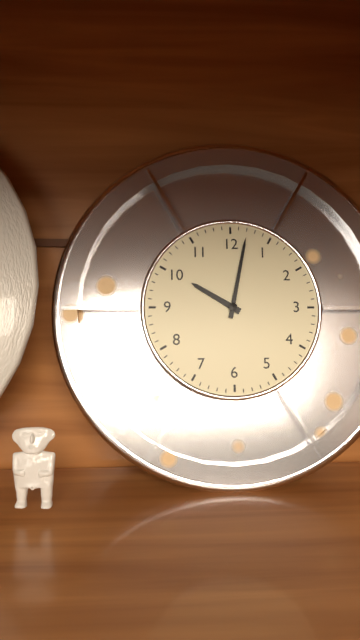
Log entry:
h=10 m=2
